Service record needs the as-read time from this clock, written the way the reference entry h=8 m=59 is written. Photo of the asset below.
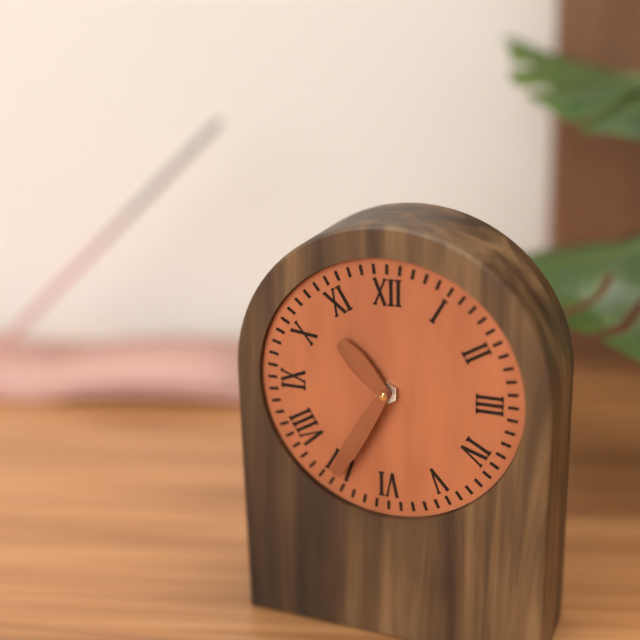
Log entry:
h=10 m=35
